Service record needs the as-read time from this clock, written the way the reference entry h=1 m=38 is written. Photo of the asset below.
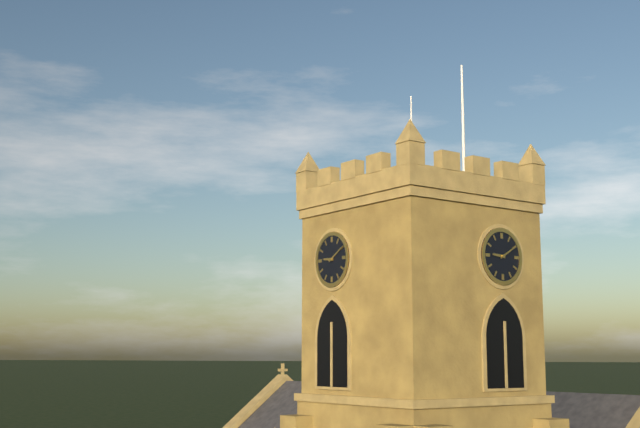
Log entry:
h=9 m=10
